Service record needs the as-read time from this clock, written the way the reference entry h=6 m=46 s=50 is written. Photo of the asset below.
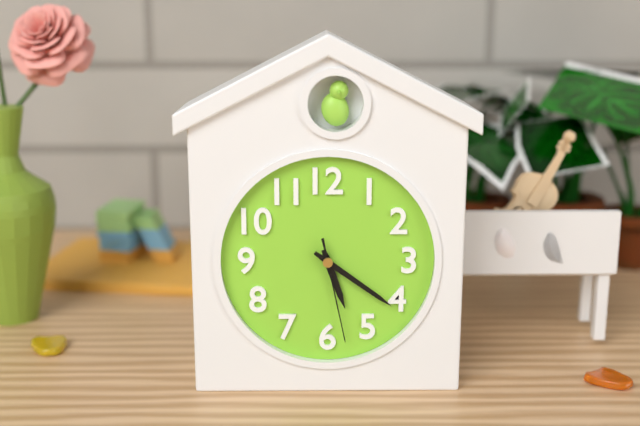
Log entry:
h=5 m=21 s=28
